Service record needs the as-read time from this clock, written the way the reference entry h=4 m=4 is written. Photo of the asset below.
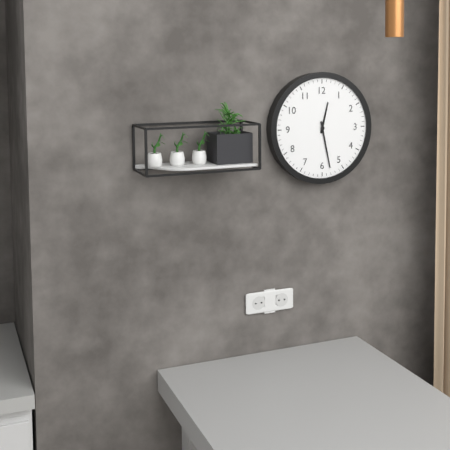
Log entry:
h=12 m=28
